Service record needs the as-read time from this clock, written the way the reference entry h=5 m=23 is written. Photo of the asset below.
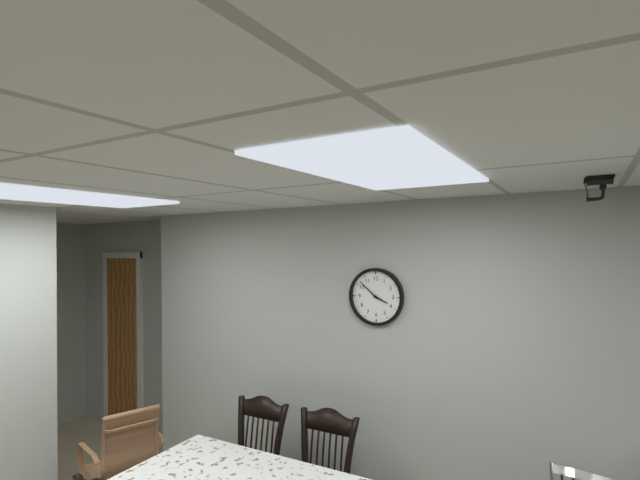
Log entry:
h=3 m=52
